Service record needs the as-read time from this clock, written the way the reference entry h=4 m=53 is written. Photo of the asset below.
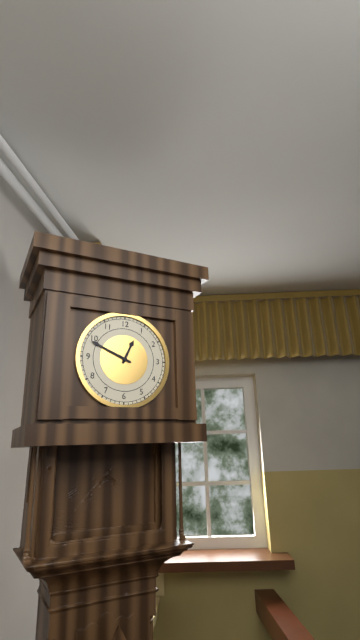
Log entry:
h=12 m=49
